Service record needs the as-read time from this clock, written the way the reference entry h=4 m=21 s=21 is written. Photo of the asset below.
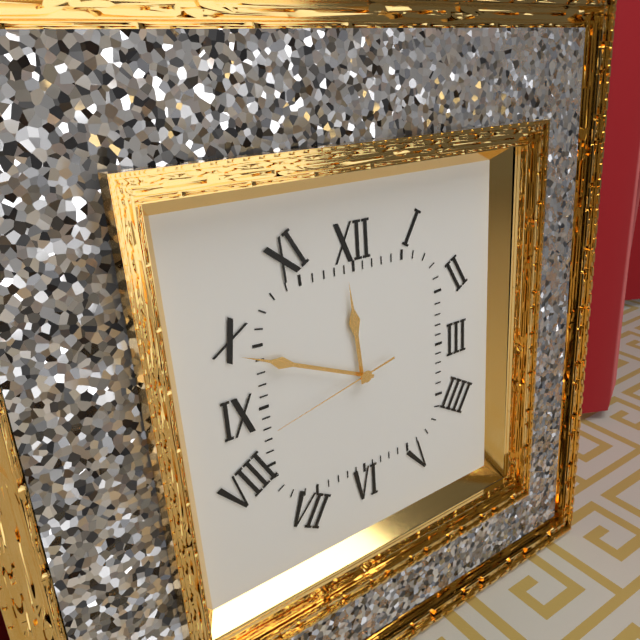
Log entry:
h=11 m=49 s=43
